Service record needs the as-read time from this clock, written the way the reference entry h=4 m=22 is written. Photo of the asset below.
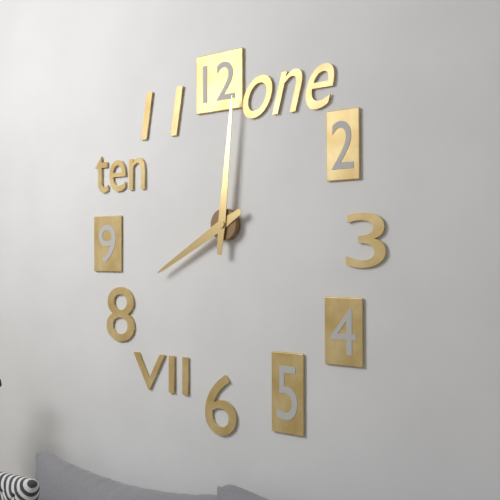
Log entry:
h=8 m=1
